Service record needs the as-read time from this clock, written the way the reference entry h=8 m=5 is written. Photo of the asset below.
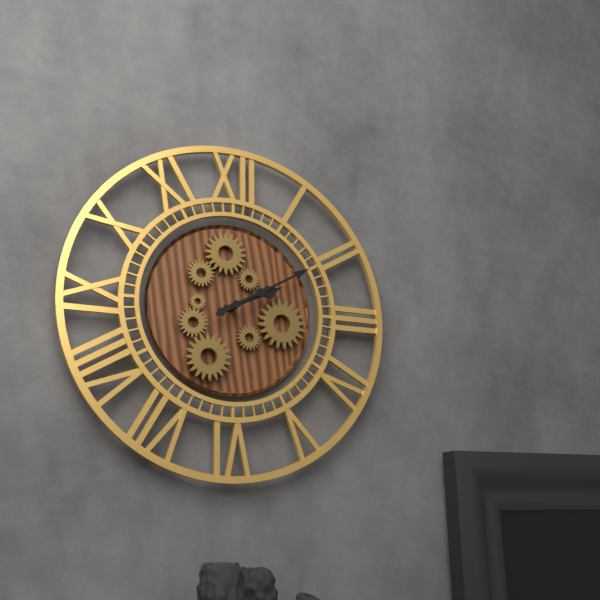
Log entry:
h=2 m=10
